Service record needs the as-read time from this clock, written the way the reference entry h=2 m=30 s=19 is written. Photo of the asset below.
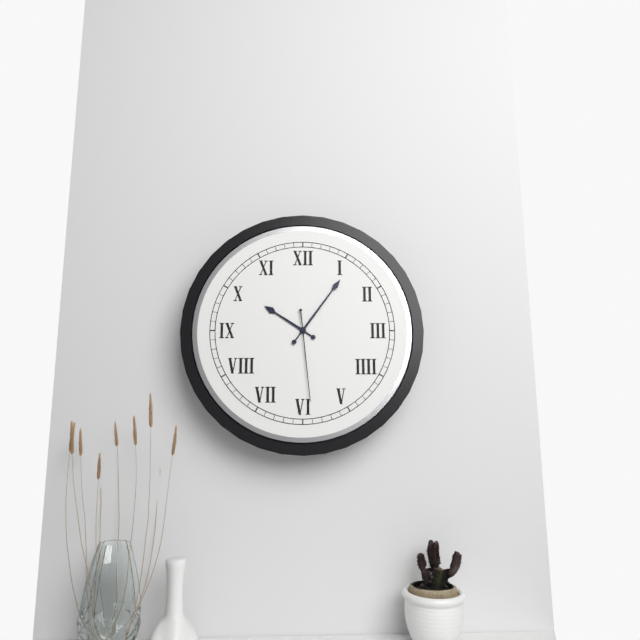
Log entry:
h=10 m=6 s=29
